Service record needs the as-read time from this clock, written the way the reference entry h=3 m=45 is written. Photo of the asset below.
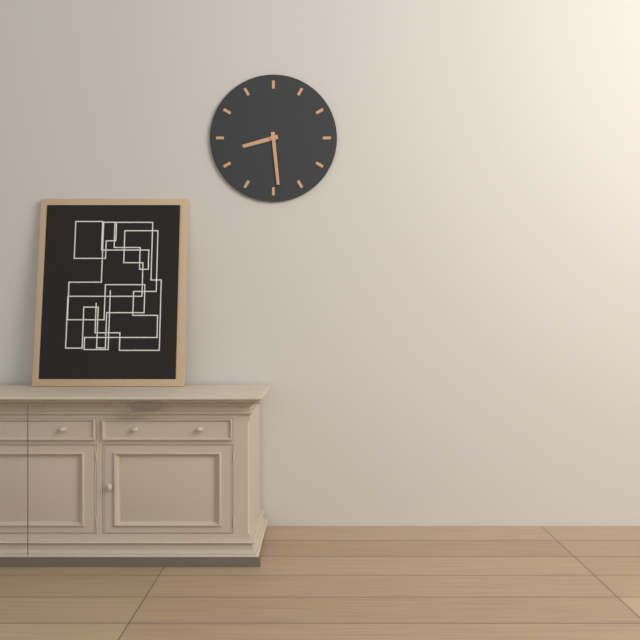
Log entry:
h=8 m=29
